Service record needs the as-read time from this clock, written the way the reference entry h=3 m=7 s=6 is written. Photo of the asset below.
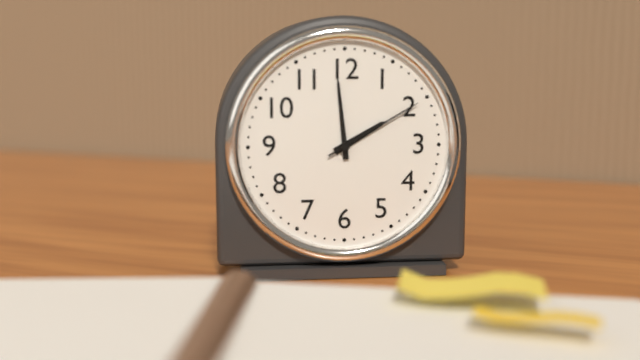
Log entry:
h=1 m=59 s=10
